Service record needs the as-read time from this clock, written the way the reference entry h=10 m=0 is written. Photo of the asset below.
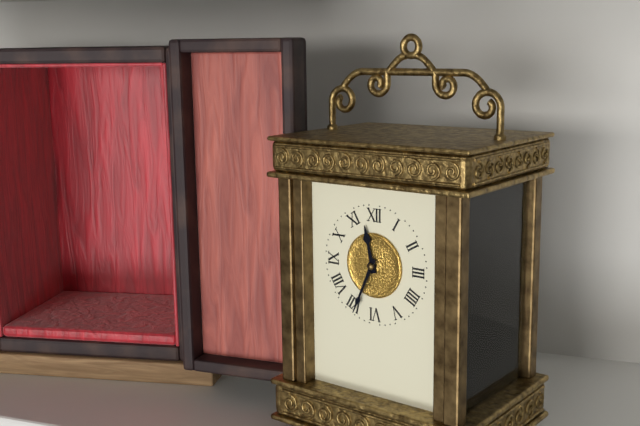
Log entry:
h=11 m=34
